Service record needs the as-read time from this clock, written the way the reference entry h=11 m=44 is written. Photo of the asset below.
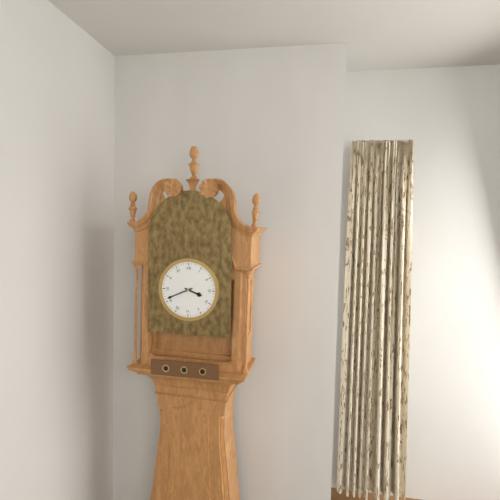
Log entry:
h=3 m=41
